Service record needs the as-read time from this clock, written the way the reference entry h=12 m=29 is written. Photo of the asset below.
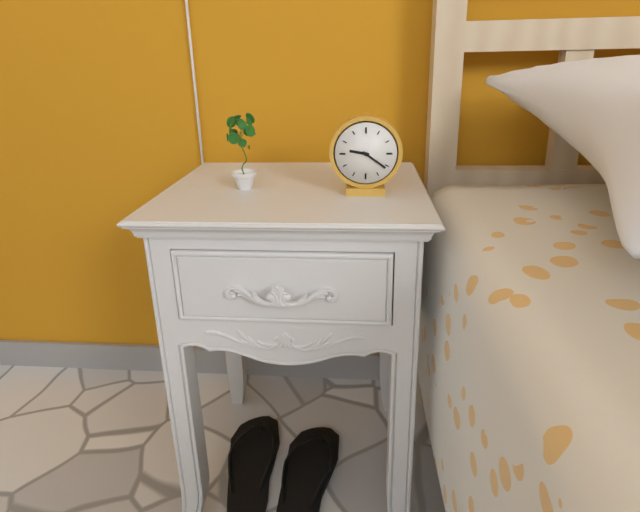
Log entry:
h=9 m=21
